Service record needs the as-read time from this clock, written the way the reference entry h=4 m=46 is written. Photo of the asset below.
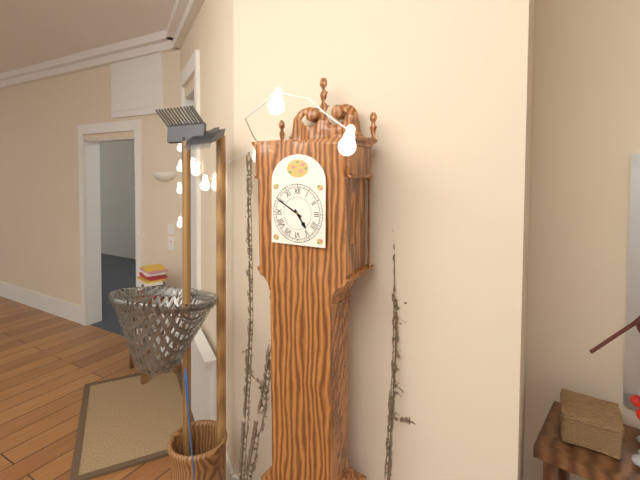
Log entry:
h=4 m=50
